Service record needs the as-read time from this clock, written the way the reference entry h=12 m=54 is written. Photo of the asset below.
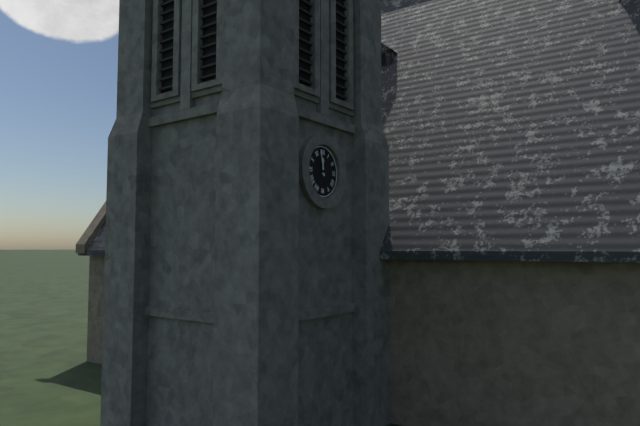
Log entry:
h=11 m=58
